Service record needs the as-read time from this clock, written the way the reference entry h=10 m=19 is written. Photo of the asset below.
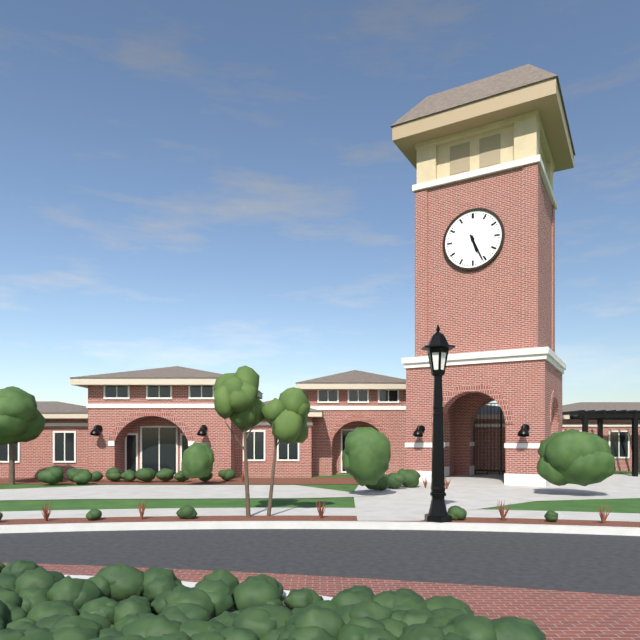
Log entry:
h=5 m=26
